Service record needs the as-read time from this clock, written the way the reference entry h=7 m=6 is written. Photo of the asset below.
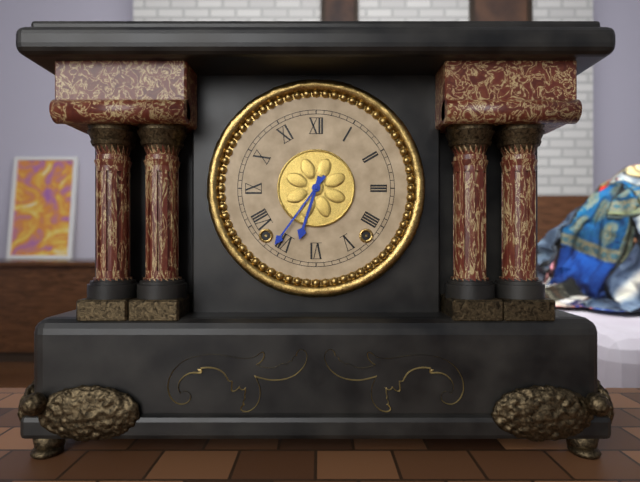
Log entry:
h=6 m=36
